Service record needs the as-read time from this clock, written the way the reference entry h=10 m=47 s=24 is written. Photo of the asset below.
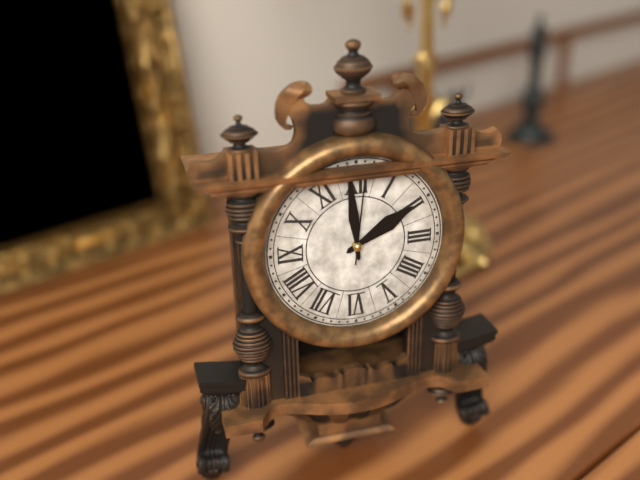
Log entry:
h=1 m=59 s=1
